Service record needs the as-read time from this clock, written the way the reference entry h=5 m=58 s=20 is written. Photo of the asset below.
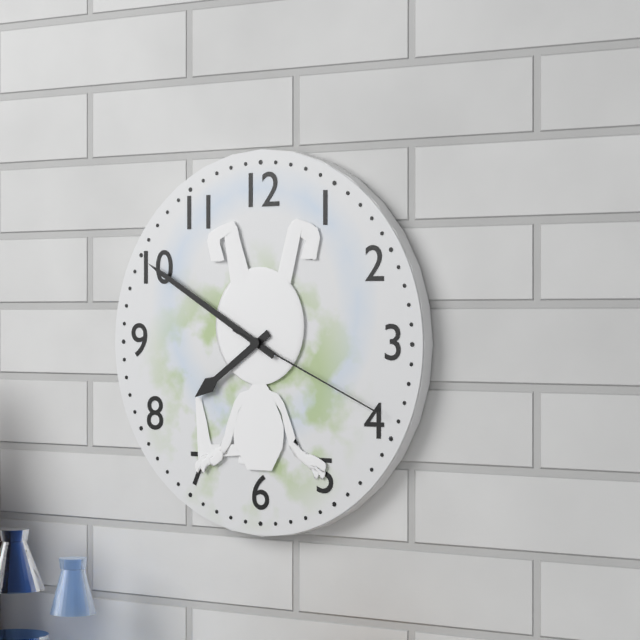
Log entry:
h=7 m=50 s=19
